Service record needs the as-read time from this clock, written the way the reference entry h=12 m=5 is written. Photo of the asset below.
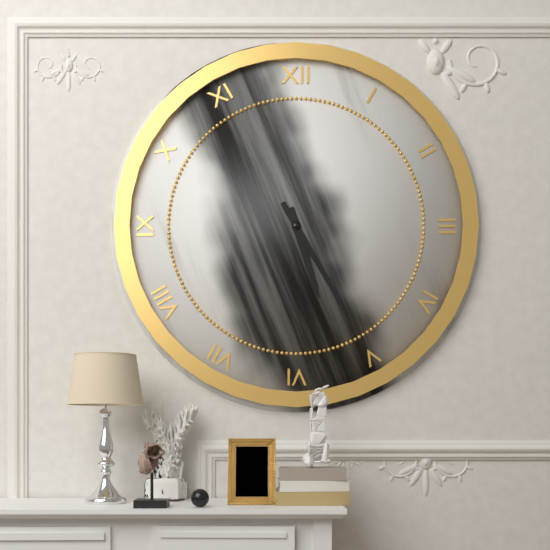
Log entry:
h=5 m=25
